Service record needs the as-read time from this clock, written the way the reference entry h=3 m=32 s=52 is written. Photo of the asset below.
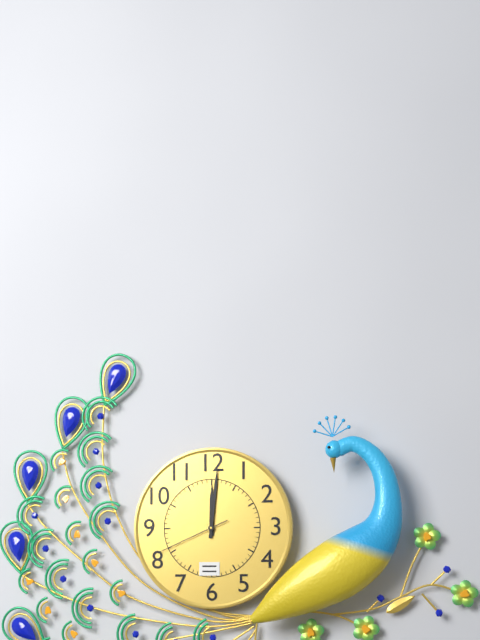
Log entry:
h=12 m=1 s=41
